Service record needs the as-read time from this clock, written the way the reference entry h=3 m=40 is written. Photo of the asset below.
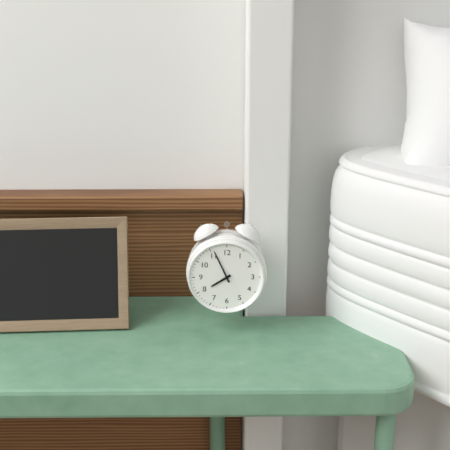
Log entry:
h=7 m=56
